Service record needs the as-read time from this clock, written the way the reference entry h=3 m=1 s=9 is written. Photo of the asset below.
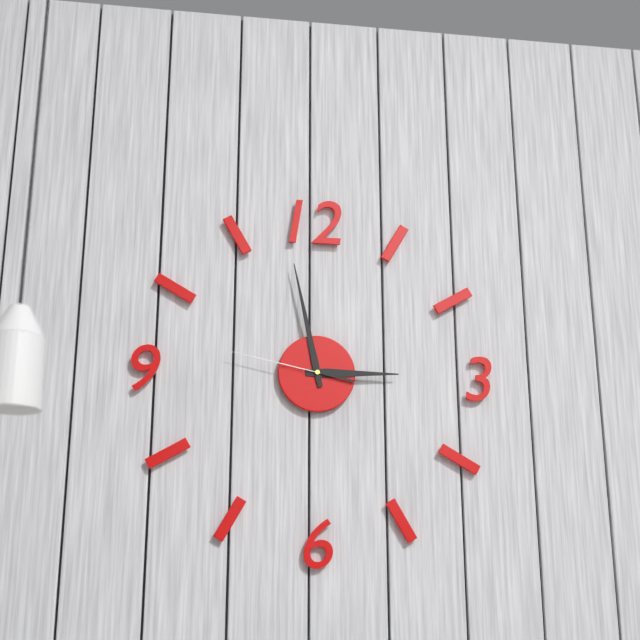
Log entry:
h=2 m=58 s=47
